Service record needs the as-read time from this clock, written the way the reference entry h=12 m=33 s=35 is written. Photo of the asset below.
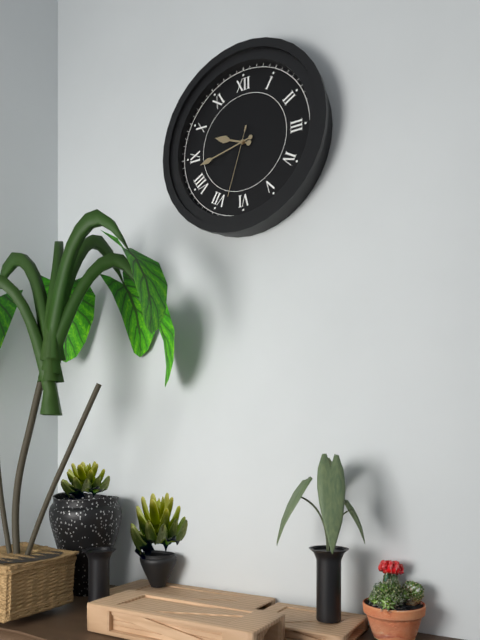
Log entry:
h=9 m=43 s=33
